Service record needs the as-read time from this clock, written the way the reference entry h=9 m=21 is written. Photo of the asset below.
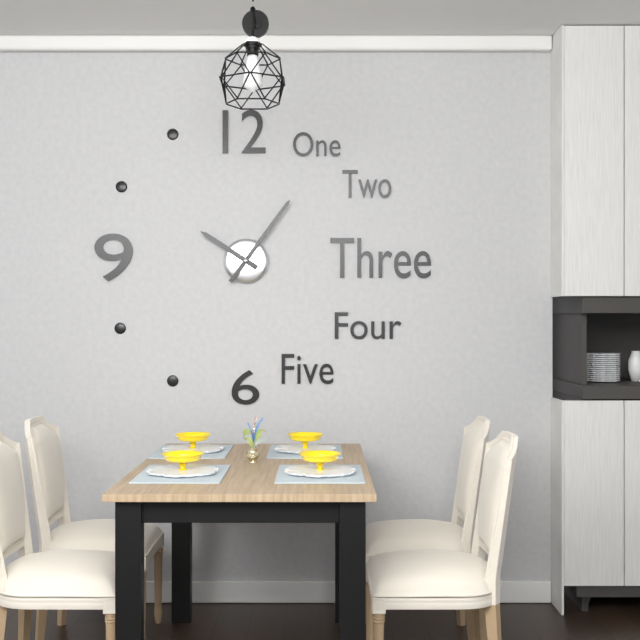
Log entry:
h=10 m=6
